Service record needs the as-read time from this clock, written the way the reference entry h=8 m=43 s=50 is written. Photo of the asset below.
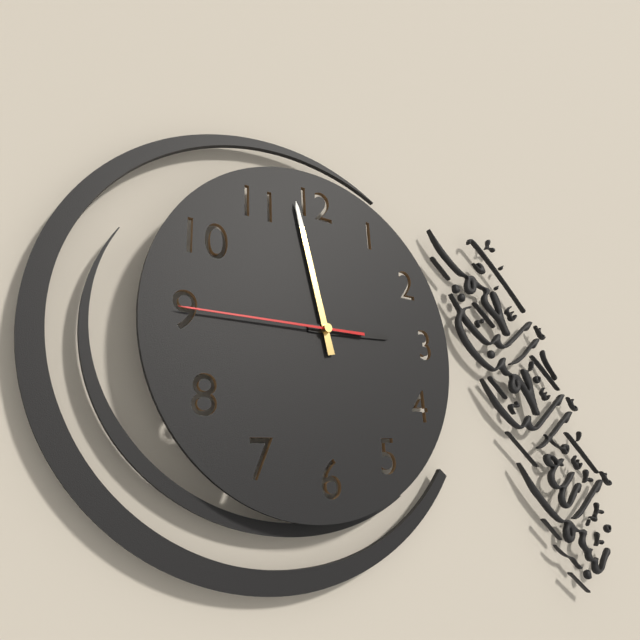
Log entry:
h=2 m=58 s=45
